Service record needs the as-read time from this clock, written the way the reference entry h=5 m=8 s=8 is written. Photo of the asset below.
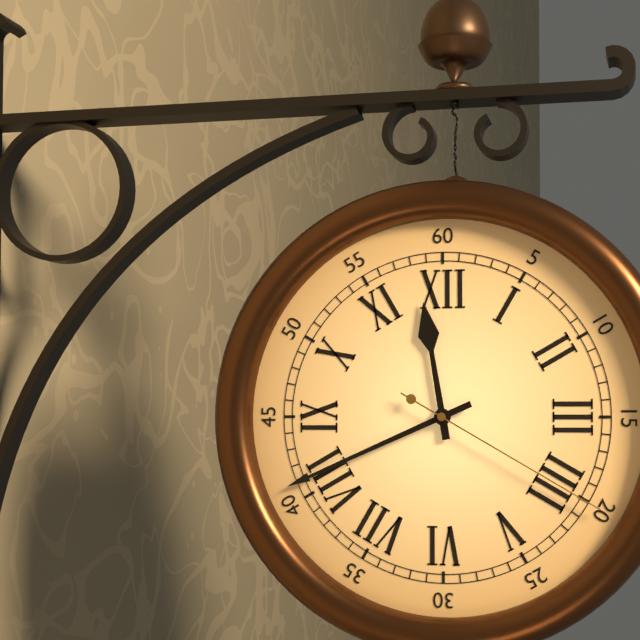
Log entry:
h=11 m=41 s=20
